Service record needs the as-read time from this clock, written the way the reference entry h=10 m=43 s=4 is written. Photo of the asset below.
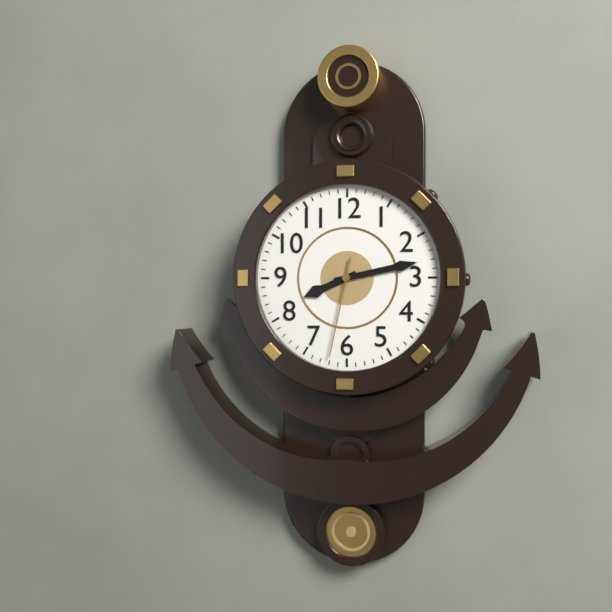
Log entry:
h=8 m=13 s=32
